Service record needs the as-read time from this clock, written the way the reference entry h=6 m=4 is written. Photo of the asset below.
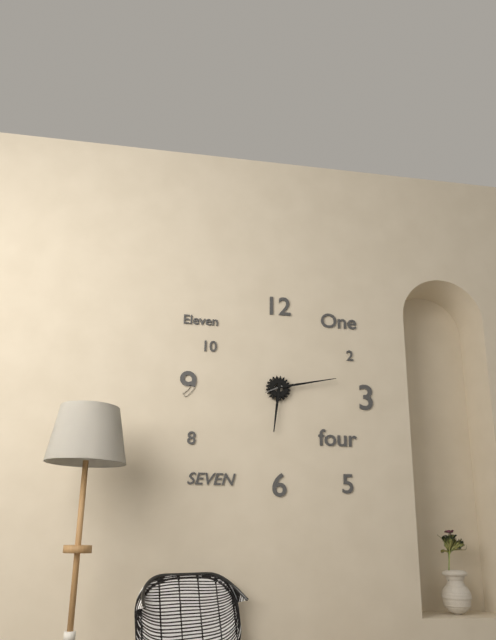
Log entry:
h=6 m=13
